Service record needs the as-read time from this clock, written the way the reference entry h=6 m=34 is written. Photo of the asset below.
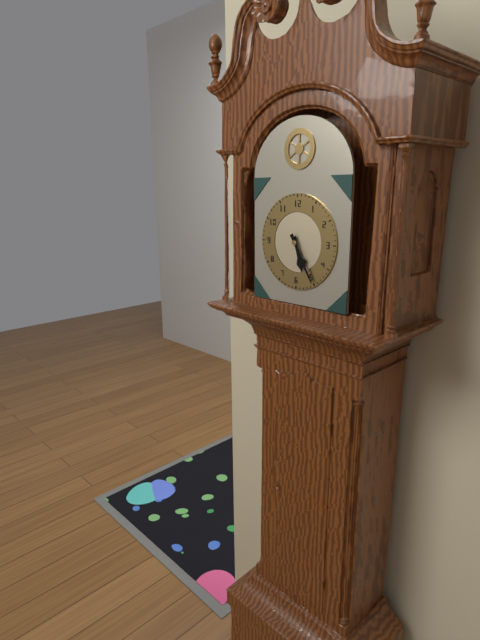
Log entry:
h=5 m=25
